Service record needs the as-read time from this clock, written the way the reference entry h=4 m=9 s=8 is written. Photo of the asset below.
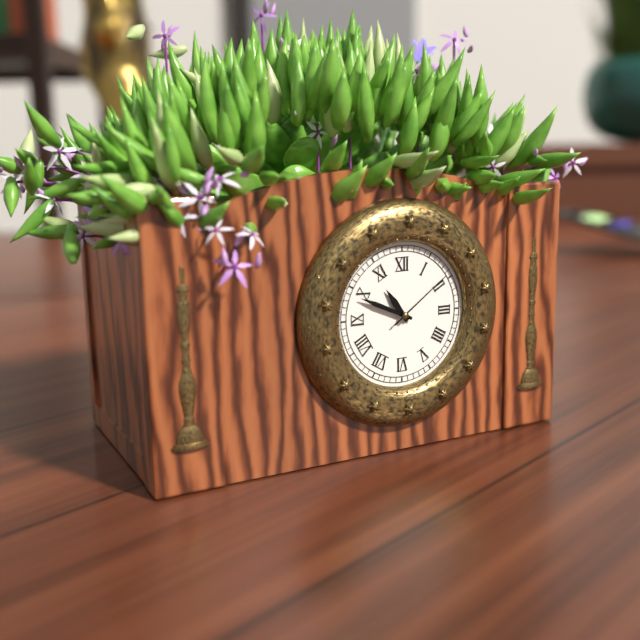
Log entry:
h=10 m=49 s=9
